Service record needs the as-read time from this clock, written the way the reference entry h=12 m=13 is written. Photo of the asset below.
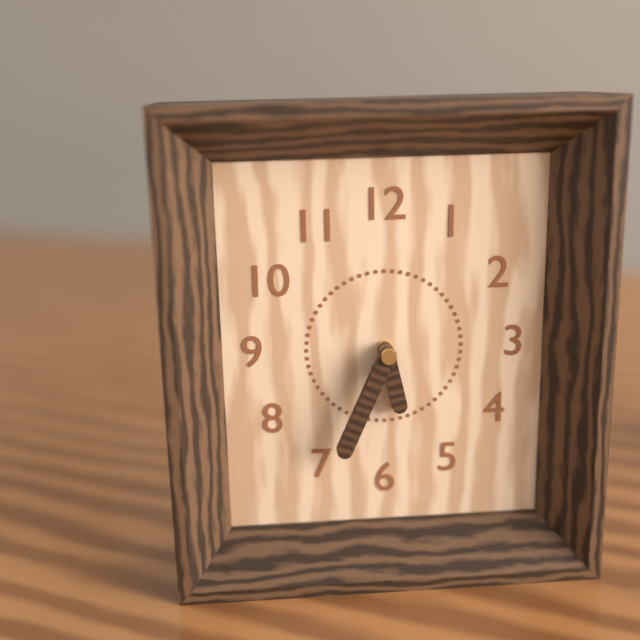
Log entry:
h=5 m=34
